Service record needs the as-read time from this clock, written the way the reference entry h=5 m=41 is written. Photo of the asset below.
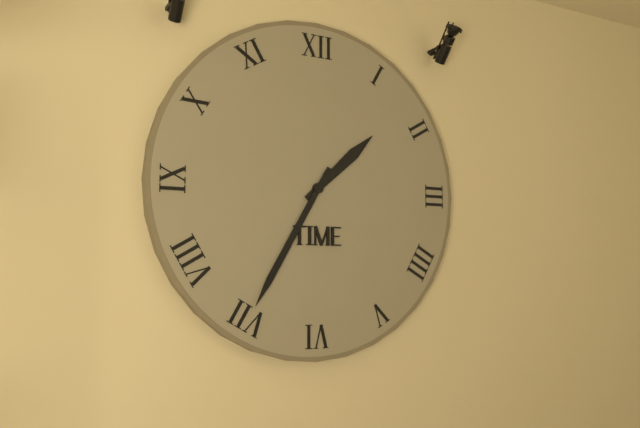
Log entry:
h=1 m=35
